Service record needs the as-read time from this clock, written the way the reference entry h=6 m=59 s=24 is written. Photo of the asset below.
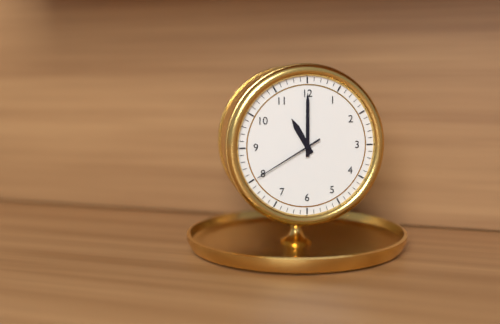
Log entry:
h=11 m=0 s=40
